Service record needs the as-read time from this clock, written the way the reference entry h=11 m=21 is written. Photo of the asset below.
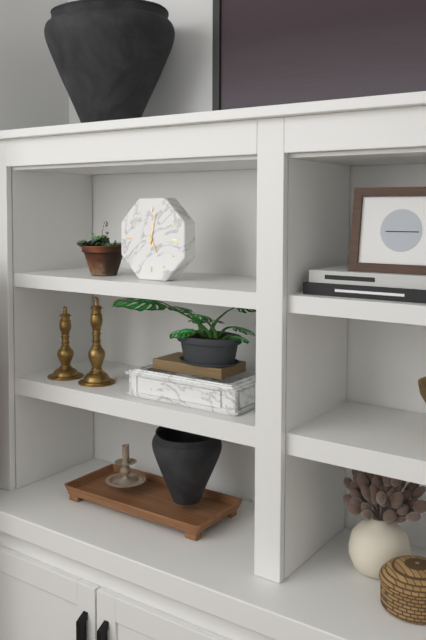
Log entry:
h=5 m=2
